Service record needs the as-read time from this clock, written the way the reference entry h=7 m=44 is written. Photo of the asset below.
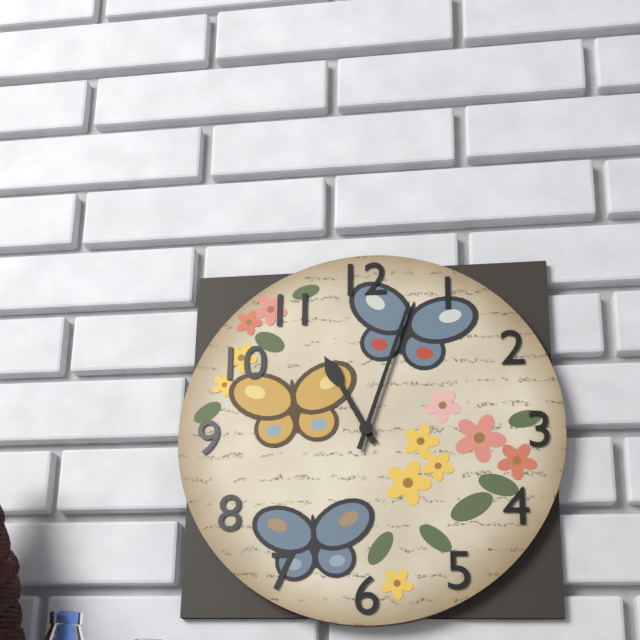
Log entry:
h=11 m=3
